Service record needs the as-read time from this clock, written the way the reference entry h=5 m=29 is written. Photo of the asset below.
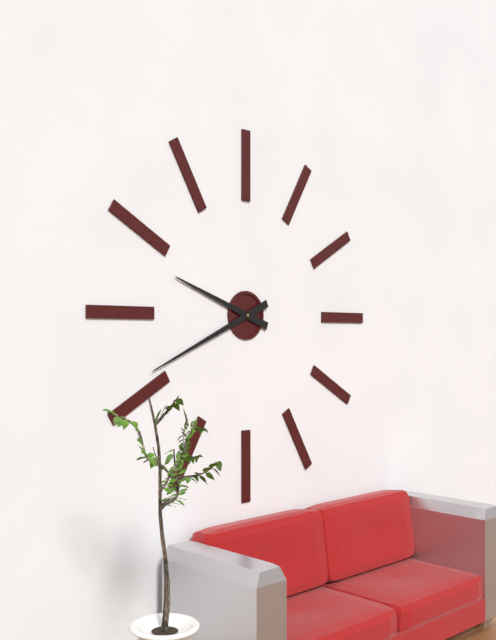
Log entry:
h=9 m=41
